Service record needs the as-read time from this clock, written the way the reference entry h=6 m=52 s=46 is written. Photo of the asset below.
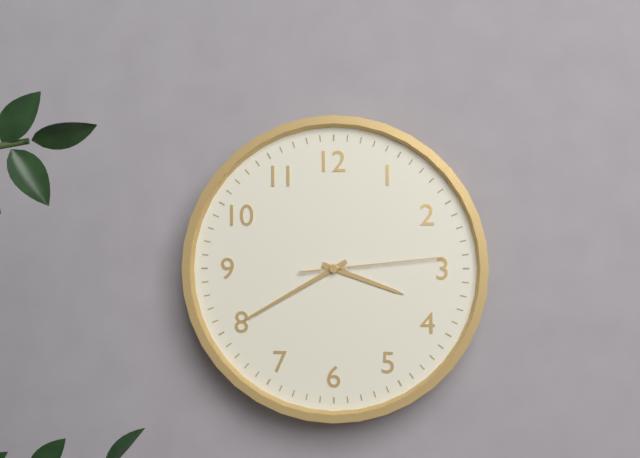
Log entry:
h=3 m=40 s=14
